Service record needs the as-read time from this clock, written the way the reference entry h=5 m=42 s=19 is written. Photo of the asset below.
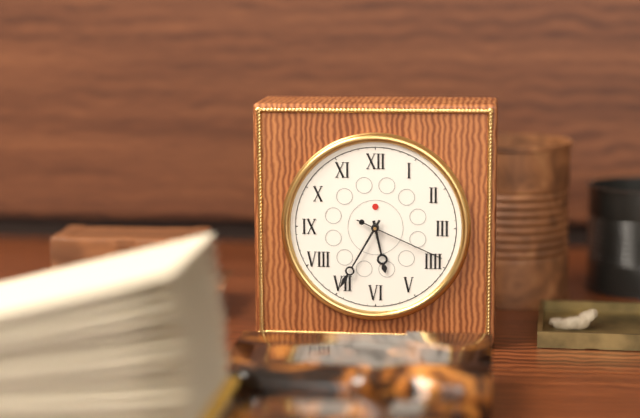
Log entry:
h=5 m=35 s=19
